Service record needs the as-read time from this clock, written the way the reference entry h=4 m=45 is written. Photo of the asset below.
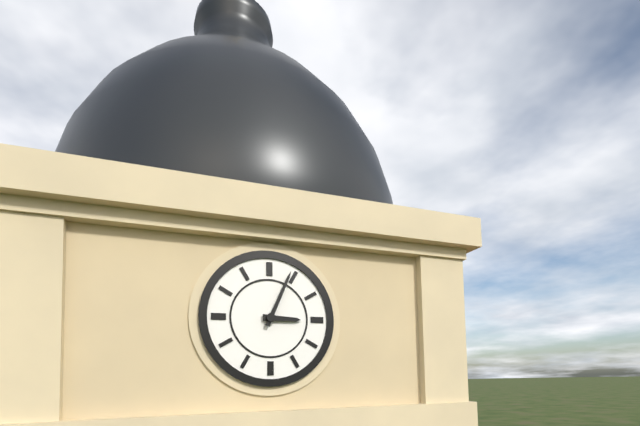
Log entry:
h=3 m=4
